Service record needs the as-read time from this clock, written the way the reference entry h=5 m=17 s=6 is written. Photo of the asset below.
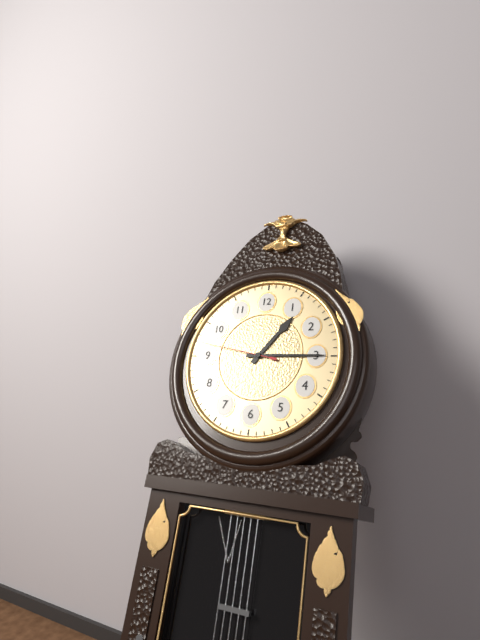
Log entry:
h=1 m=15 s=47
